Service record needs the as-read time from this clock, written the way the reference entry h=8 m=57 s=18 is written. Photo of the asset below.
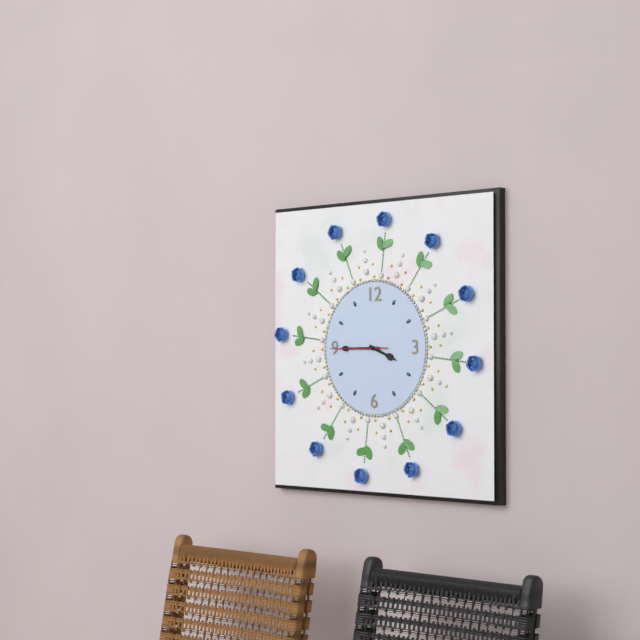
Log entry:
h=3 m=45 s=45
